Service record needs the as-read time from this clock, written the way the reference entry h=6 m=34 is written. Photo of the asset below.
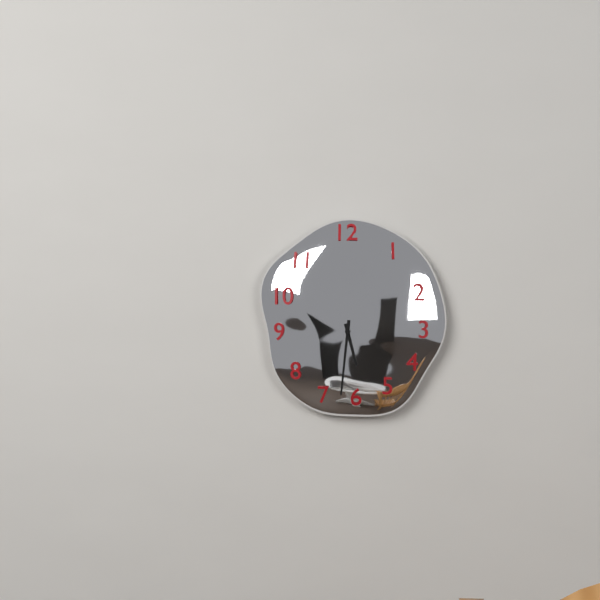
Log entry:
h=5 m=31
